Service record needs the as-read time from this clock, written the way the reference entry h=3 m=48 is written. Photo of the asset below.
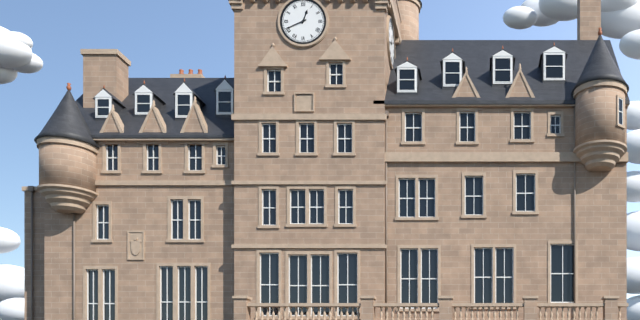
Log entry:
h=12 m=41
